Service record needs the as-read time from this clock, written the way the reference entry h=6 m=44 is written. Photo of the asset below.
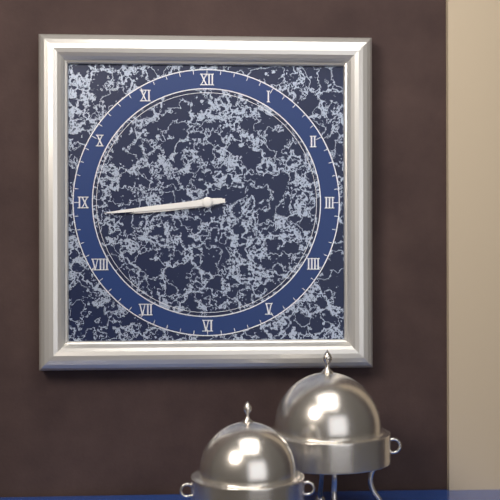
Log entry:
h=8 m=44
